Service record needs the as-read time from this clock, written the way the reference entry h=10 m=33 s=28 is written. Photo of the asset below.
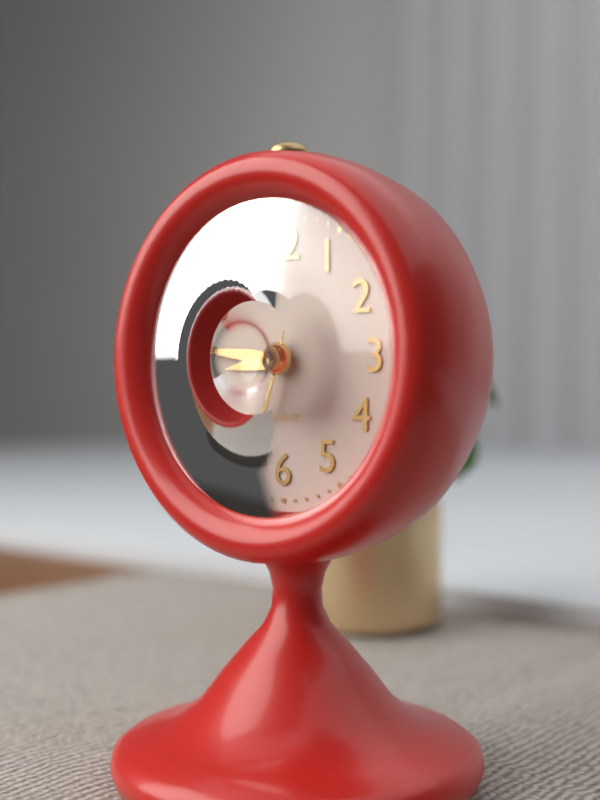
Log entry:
h=8 m=46 s=33
